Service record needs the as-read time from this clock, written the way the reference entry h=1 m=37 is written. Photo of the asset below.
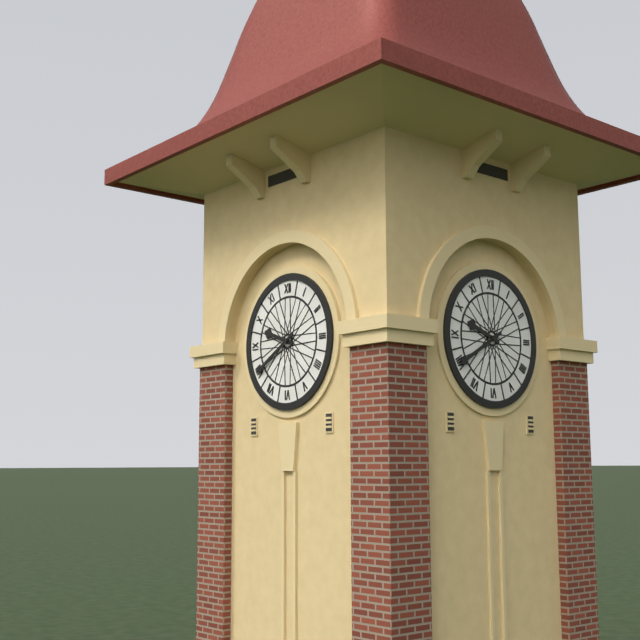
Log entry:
h=9 m=40
